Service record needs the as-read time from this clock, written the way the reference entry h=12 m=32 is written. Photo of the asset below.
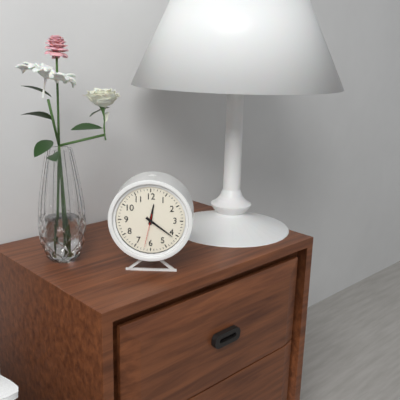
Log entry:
h=12 m=21
